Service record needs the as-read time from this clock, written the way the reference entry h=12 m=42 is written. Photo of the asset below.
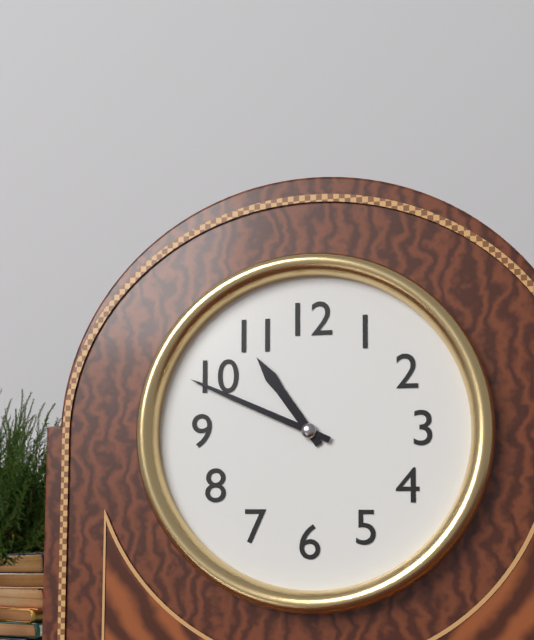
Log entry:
h=10 m=49
